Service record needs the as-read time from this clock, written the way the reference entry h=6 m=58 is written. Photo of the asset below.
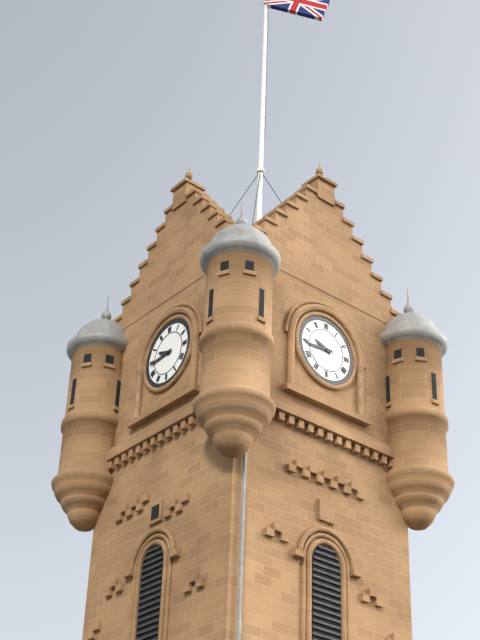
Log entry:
h=9 m=44
